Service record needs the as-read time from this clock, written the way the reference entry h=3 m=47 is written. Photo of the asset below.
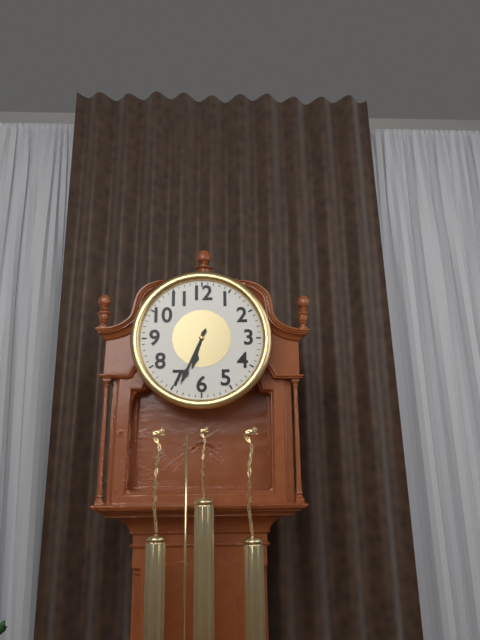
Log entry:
h=6 m=34
